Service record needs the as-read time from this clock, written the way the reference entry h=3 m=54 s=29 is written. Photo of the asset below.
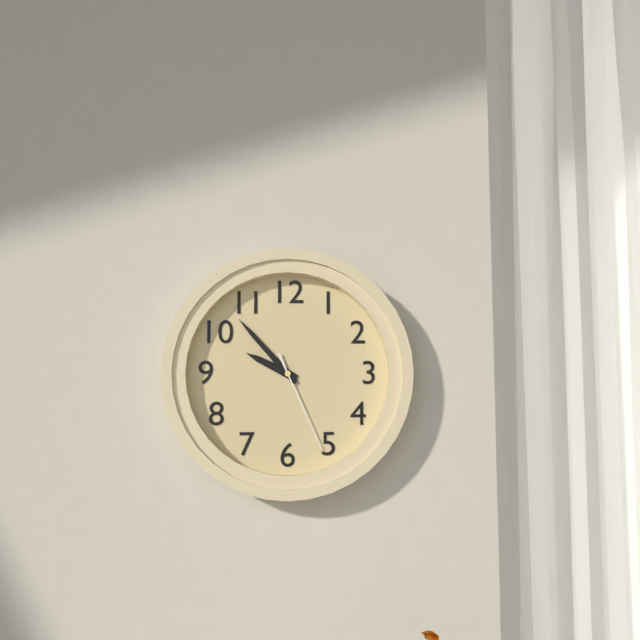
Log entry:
h=9 m=53 s=26
